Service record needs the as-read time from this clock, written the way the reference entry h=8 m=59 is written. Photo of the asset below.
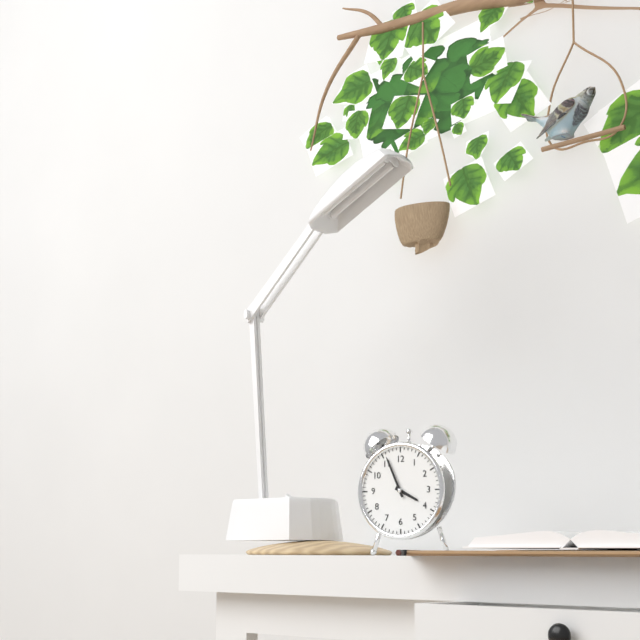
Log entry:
h=3 m=56
